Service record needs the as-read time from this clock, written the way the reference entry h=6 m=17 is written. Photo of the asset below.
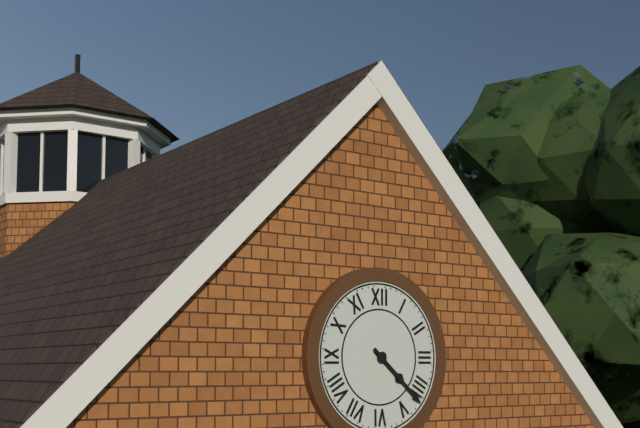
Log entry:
h=4 m=22
